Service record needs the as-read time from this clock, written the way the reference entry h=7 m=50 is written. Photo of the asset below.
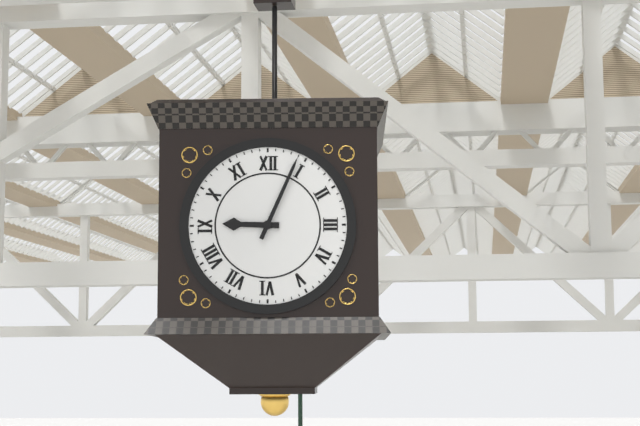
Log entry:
h=9 m=4
